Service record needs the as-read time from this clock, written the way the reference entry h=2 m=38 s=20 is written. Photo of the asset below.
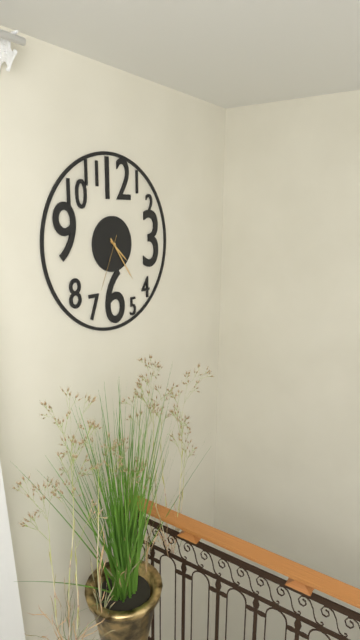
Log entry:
h=4 m=24 s=34
